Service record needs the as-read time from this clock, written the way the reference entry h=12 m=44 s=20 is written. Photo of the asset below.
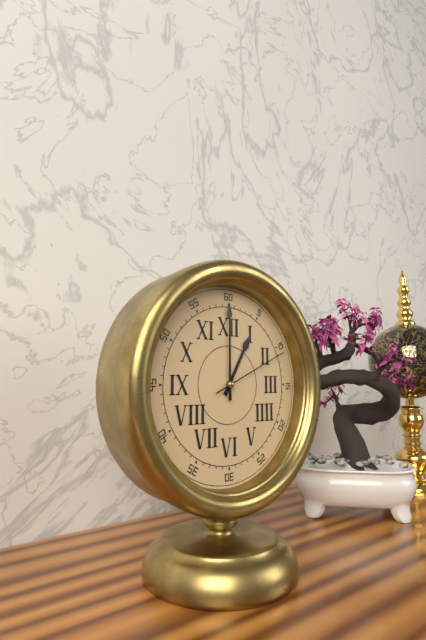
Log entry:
h=1 m=0 s=11
